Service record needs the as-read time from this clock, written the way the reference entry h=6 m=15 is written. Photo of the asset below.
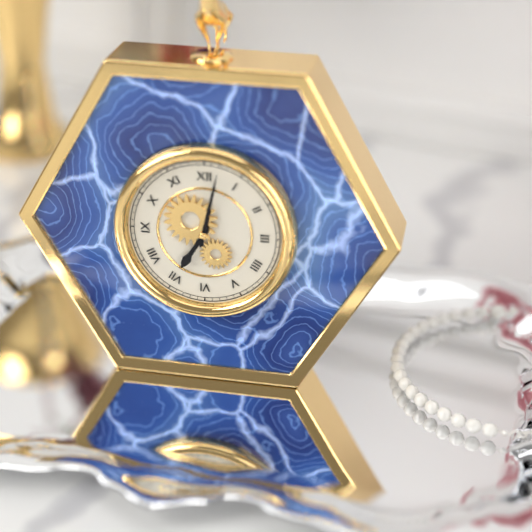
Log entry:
h=7 m=2
